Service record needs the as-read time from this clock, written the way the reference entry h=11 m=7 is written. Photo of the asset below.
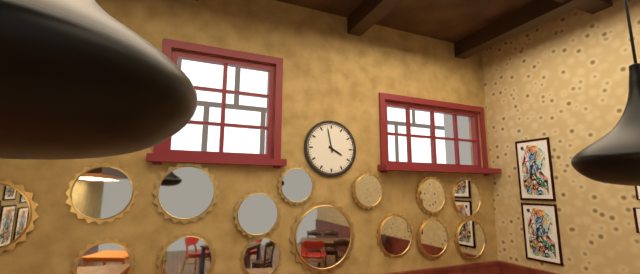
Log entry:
h=3 m=58
